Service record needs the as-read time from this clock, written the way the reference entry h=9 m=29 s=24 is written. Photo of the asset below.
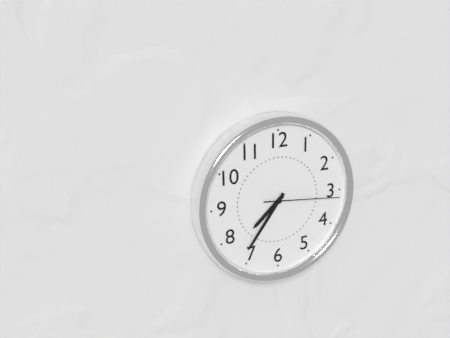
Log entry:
h=7 m=36 s=16
